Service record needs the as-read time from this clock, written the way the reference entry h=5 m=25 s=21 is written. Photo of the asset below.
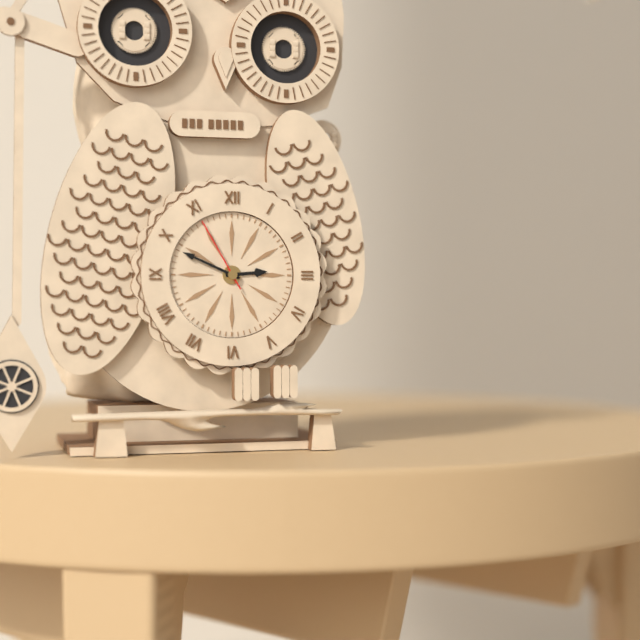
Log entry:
h=2 m=49 s=55
